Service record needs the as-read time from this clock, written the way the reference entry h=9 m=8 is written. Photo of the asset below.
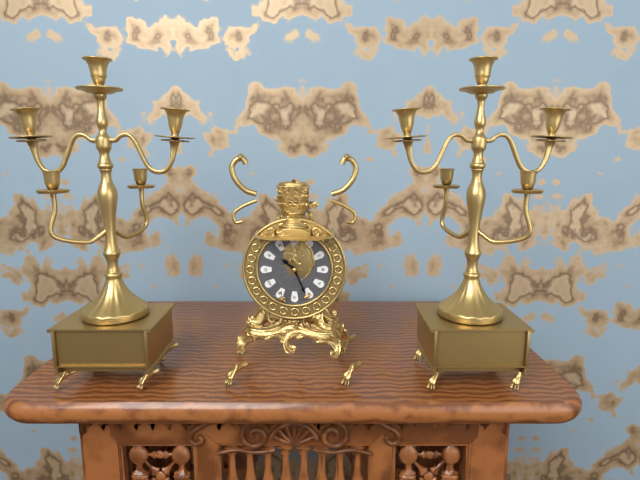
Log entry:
h=10 m=26
